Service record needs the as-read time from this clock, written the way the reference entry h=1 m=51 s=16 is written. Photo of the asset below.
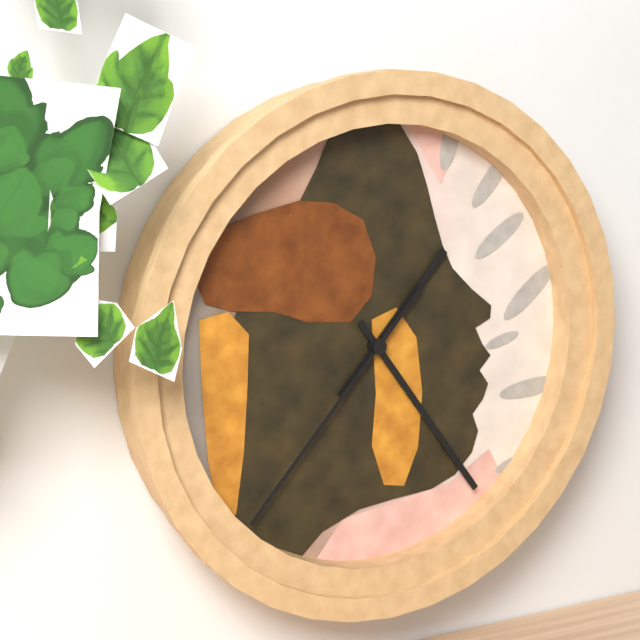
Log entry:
h=1 m=24 s=37
